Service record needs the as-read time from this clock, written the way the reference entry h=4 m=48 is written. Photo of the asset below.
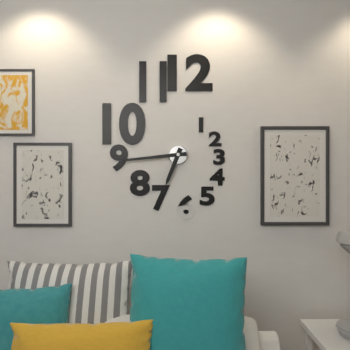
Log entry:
h=6 m=44
